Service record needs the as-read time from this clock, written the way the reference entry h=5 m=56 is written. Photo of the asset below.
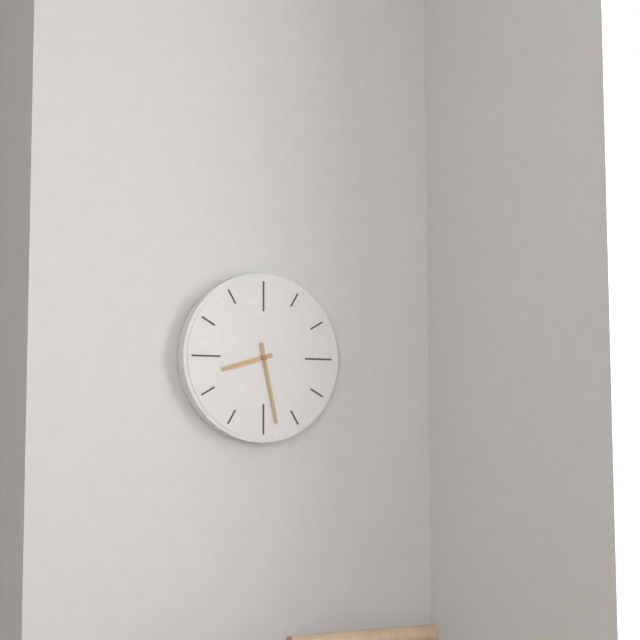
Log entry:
h=8 m=28
